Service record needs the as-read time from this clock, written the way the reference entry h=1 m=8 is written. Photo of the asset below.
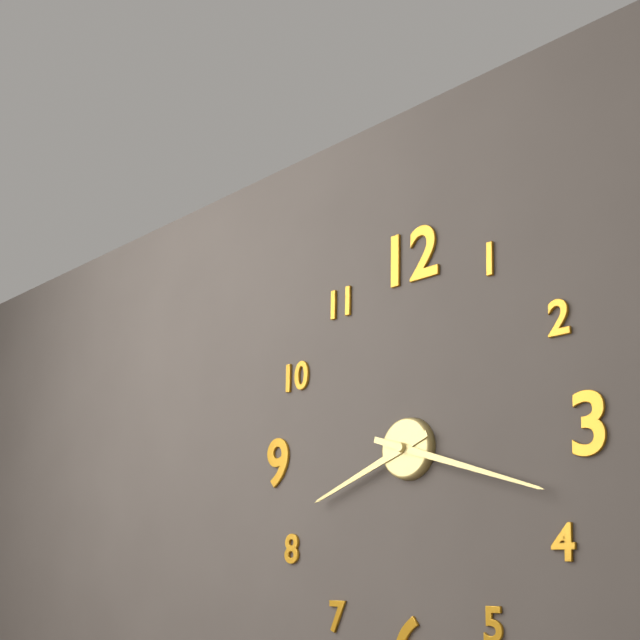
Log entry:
h=8 m=18
